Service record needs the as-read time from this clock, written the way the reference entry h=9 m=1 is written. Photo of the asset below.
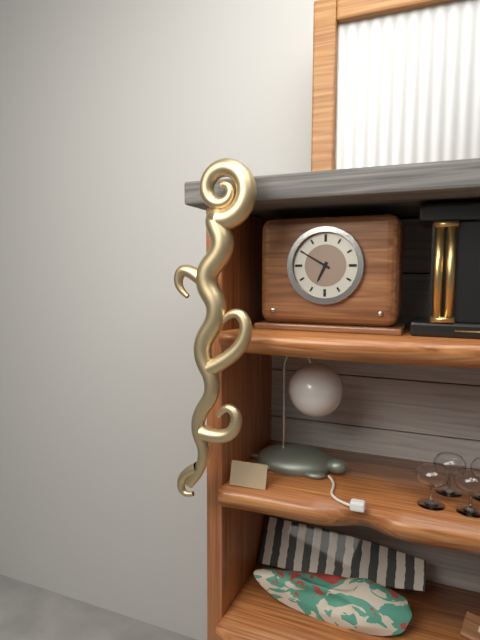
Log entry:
h=6 m=50
